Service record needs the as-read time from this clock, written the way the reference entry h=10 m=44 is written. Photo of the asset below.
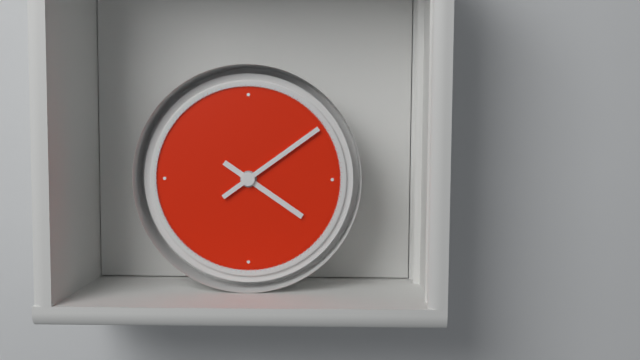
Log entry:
h=4 m=9
